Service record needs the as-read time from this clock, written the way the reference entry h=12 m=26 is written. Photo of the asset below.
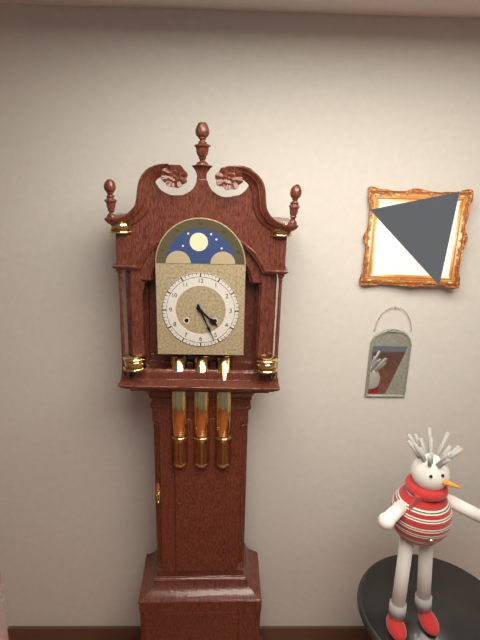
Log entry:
h=4 m=26
